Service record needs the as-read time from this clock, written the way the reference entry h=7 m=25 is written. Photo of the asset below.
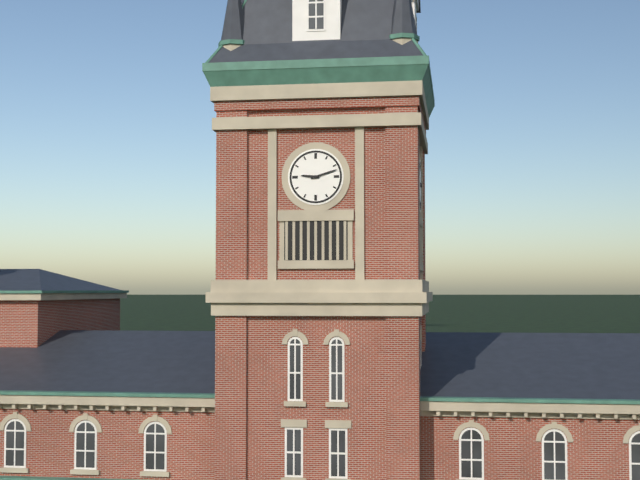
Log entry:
h=9 m=12
